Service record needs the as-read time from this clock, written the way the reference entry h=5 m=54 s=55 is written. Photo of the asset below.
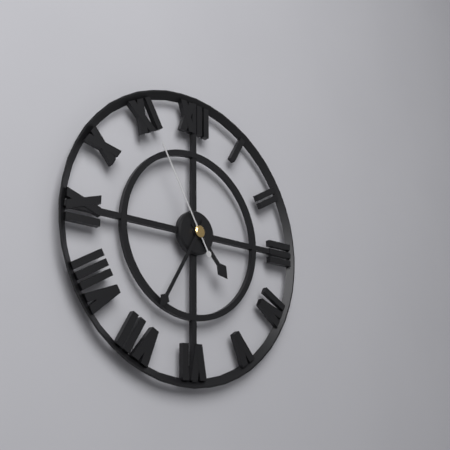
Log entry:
h=4 m=35 s=55
